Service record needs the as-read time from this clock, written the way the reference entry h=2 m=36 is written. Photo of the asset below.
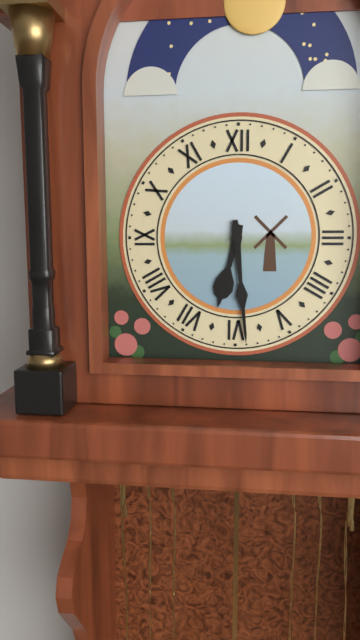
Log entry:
h=6 m=29
